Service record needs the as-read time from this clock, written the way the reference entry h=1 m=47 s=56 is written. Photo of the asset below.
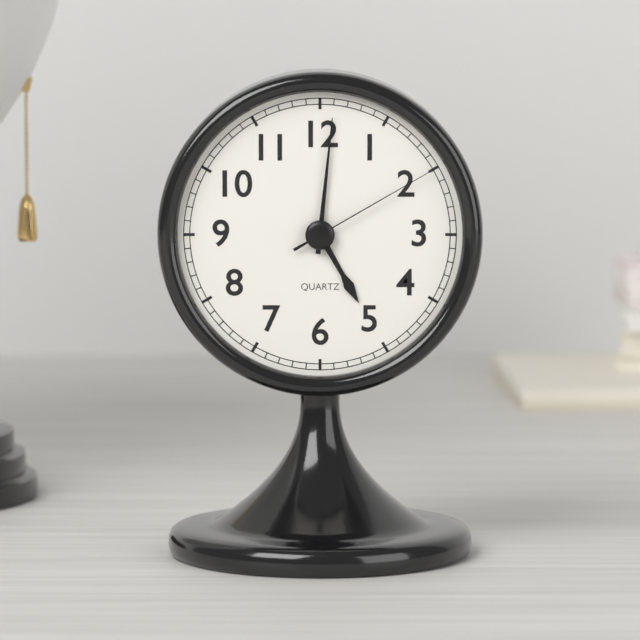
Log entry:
h=5 m=1 s=10
